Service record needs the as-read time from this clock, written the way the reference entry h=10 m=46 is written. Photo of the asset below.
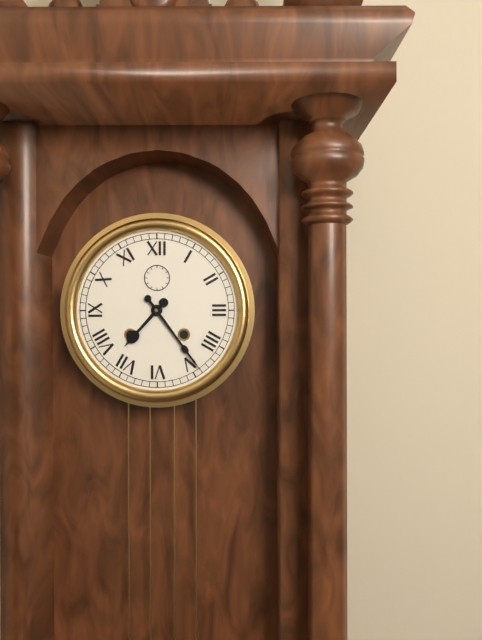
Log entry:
h=7 m=24
